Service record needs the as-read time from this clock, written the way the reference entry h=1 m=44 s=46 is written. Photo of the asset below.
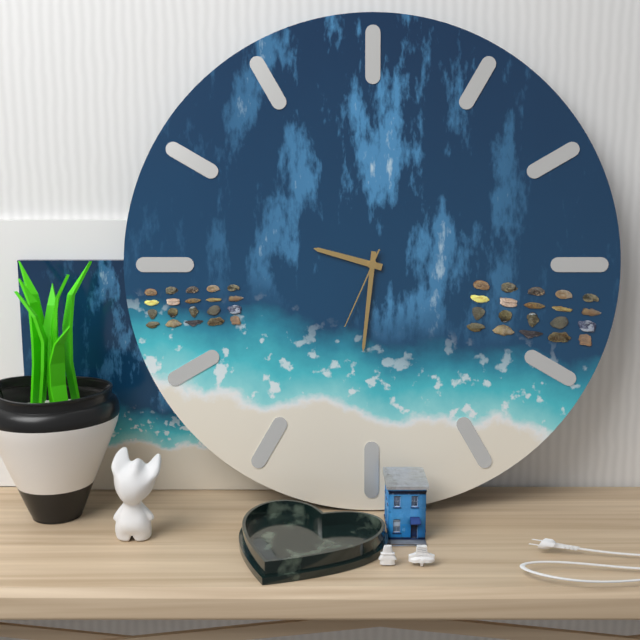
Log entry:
h=9 m=31 s=34
